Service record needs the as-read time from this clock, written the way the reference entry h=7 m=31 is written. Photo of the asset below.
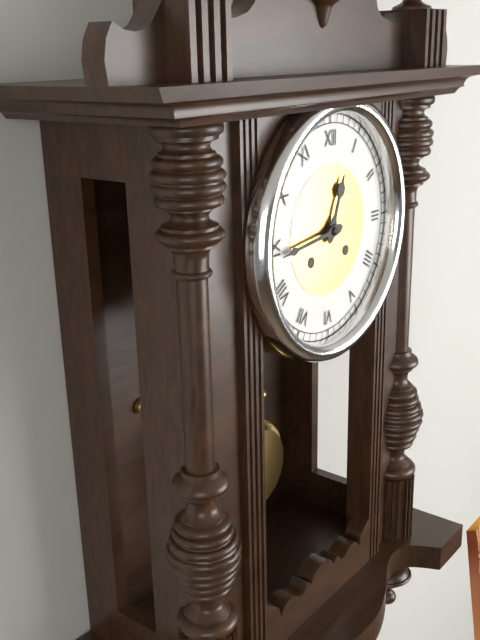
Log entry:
h=12 m=44
